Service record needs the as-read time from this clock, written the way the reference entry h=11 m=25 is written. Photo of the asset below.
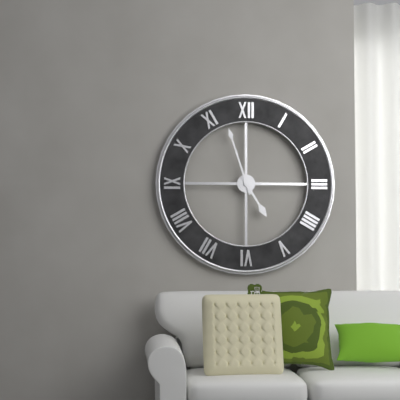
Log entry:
h=4 m=57
